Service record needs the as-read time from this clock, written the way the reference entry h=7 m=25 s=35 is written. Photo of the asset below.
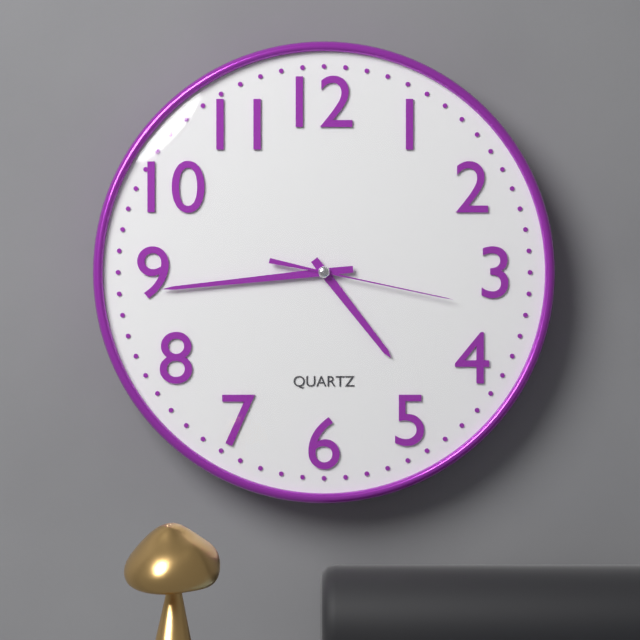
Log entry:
h=4 m=44 s=17
